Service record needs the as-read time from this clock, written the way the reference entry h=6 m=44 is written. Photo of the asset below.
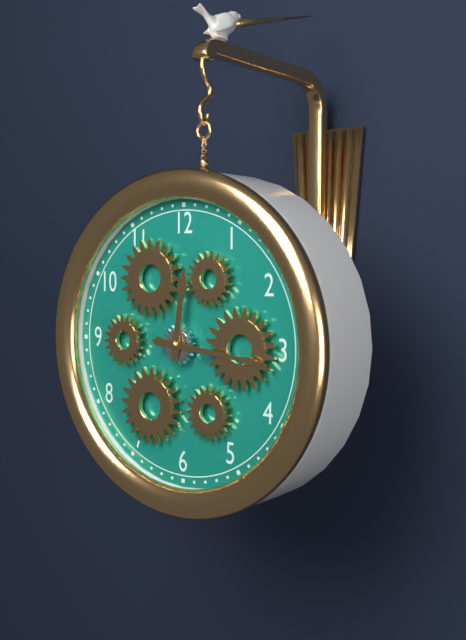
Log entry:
h=12 m=16
